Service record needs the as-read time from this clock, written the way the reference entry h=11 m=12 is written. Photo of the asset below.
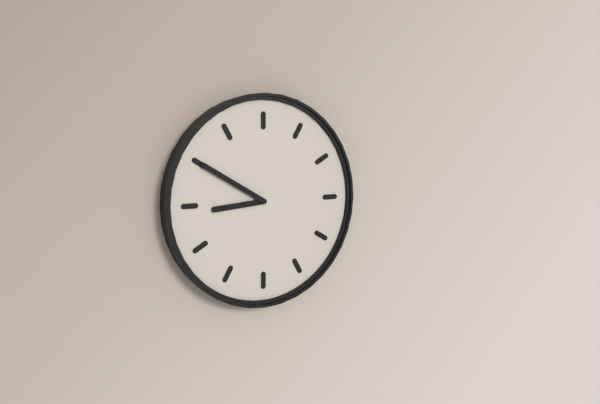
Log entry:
h=8 m=50
